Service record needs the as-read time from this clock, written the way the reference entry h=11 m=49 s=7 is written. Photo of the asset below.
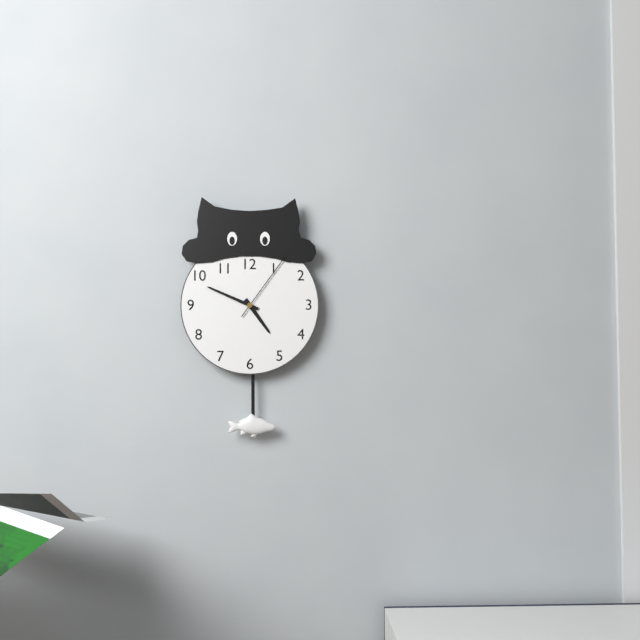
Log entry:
h=4 m=49 s=6
